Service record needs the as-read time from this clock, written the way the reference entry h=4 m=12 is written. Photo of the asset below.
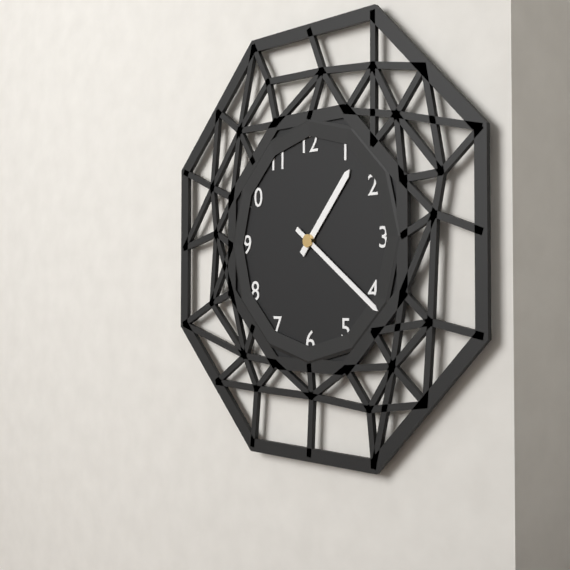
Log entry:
h=1 m=21
